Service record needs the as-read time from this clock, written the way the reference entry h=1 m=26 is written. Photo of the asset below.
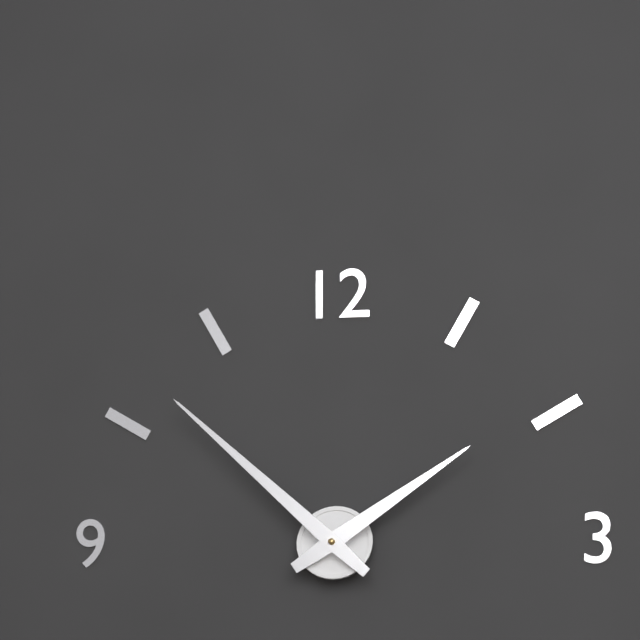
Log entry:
h=1 m=52
